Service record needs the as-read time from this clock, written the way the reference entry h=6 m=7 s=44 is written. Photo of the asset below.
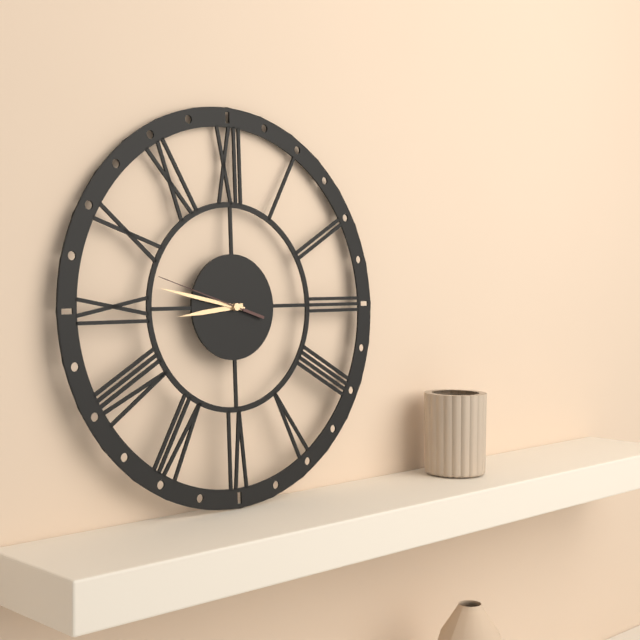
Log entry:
h=8 m=47 s=48
